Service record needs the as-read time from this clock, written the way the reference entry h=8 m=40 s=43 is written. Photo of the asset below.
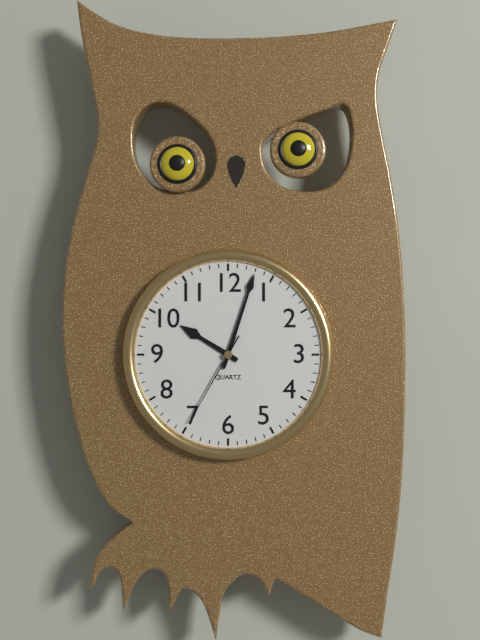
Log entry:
h=10 m=3 s=35
